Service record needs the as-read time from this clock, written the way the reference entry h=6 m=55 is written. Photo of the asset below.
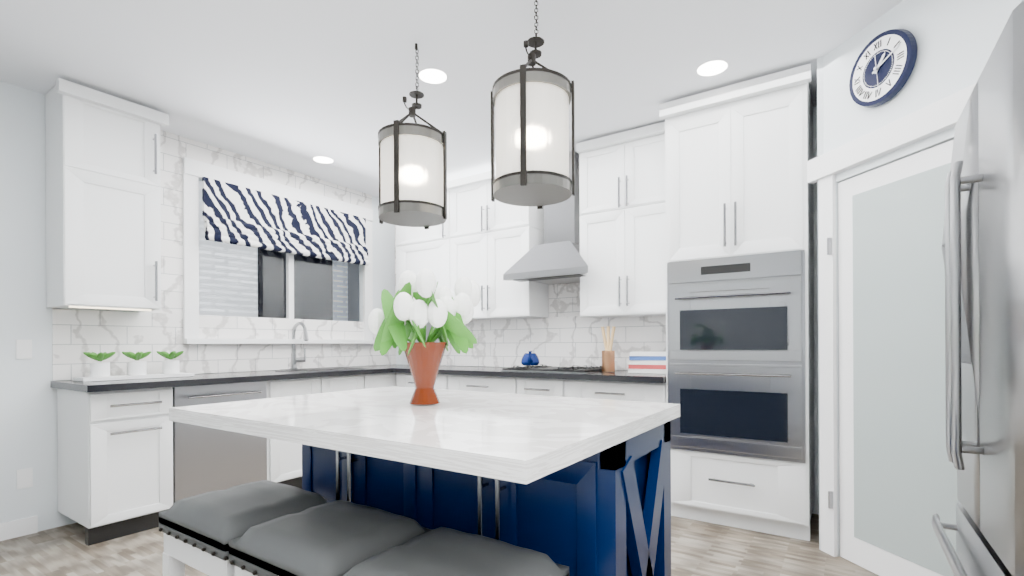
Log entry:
h=1 m=11
